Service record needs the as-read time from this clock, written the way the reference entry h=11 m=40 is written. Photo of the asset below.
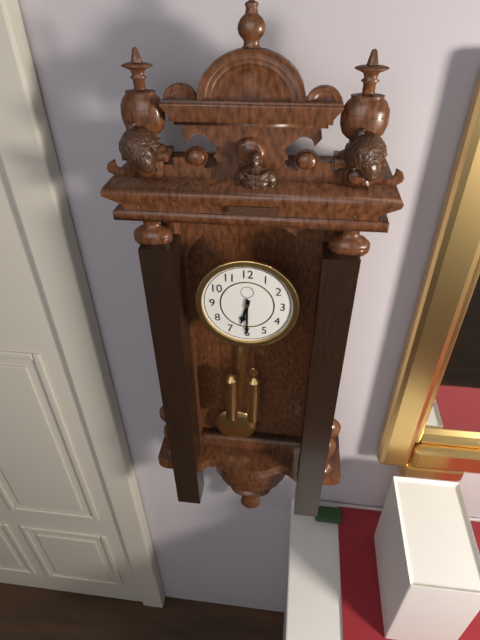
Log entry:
h=6 m=30
